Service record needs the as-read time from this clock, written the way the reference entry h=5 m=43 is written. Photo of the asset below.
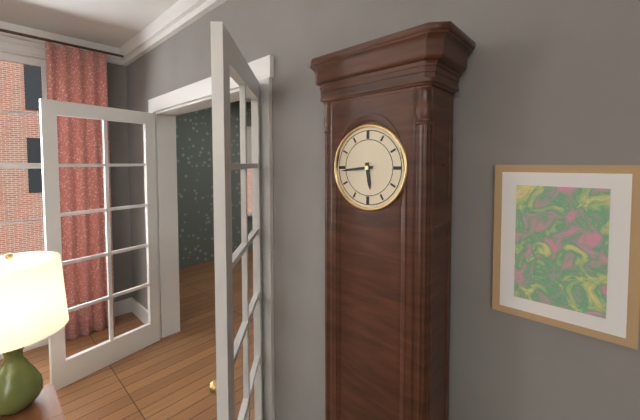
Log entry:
h=5 m=44
